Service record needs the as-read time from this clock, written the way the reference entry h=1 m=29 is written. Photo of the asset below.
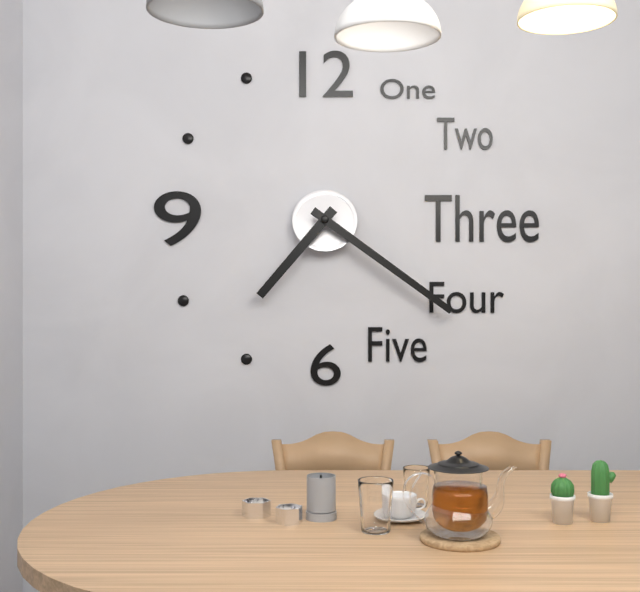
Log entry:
h=7 m=21
